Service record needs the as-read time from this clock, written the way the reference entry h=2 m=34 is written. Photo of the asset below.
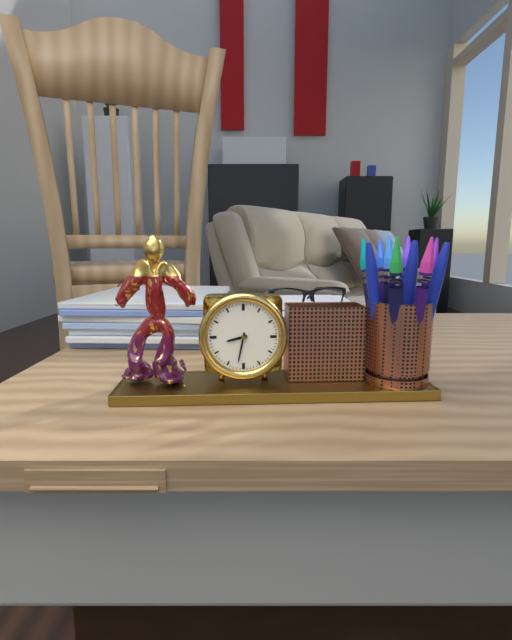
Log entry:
h=8 m=32
